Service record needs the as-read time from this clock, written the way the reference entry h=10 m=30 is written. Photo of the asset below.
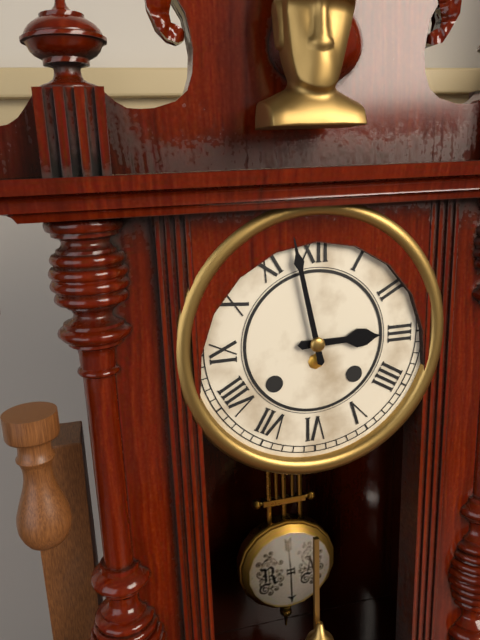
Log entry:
h=2 m=58
